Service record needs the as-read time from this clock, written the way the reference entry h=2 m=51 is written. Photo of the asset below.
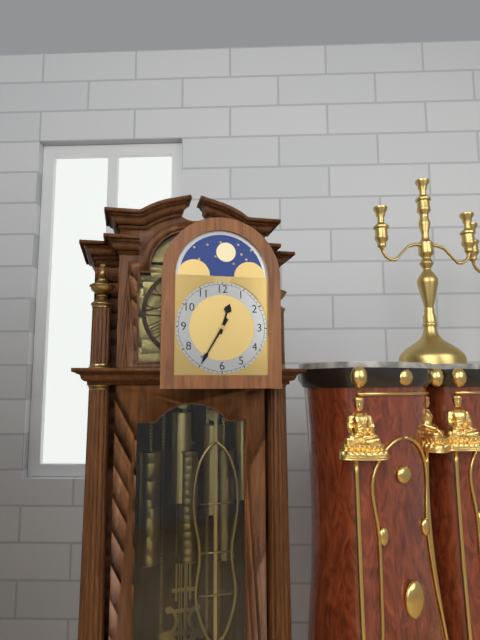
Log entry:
h=12 m=35
